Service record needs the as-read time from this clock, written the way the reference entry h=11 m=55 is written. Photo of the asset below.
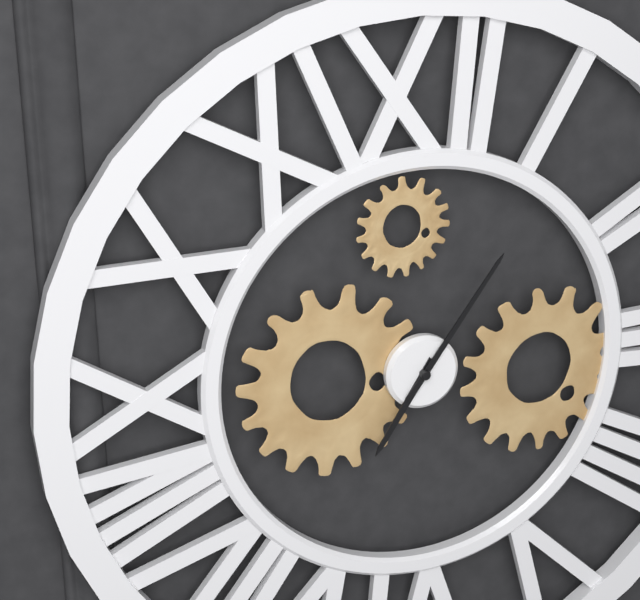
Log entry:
h=7 m=6
